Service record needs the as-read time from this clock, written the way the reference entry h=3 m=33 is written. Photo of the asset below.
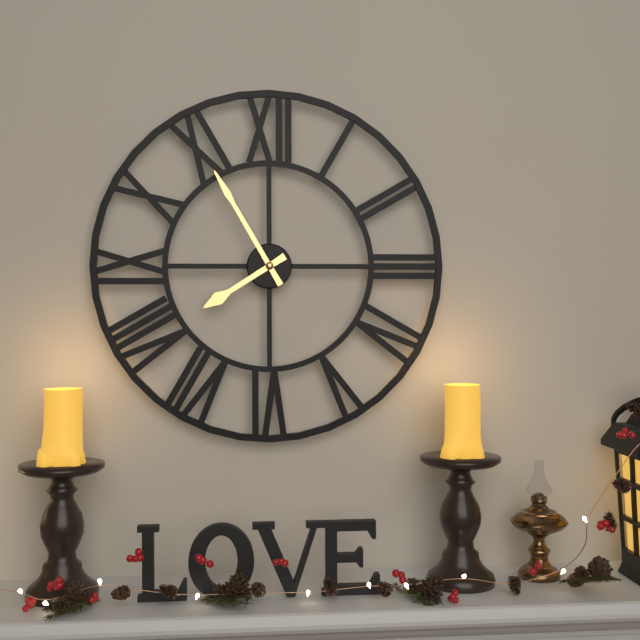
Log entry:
h=7 m=55
